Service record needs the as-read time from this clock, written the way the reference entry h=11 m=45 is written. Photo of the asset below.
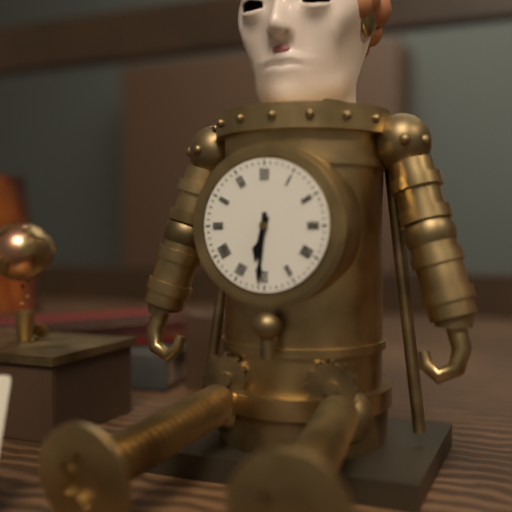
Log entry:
h=6 m=31
